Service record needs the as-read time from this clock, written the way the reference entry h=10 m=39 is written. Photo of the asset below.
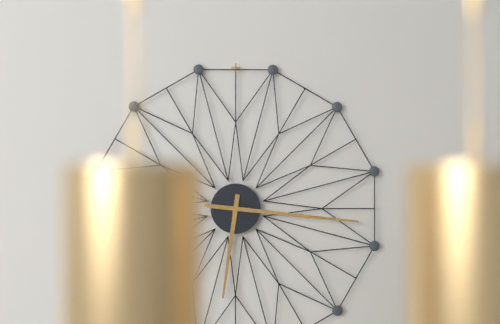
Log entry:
h=6 m=16
